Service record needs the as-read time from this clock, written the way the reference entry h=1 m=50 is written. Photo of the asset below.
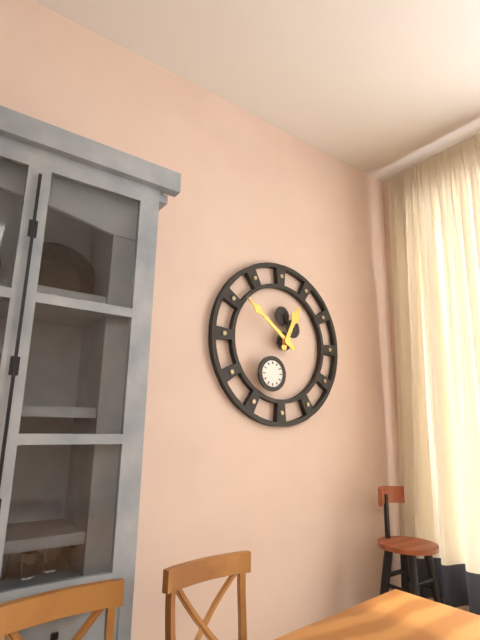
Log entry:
h=12 m=51
